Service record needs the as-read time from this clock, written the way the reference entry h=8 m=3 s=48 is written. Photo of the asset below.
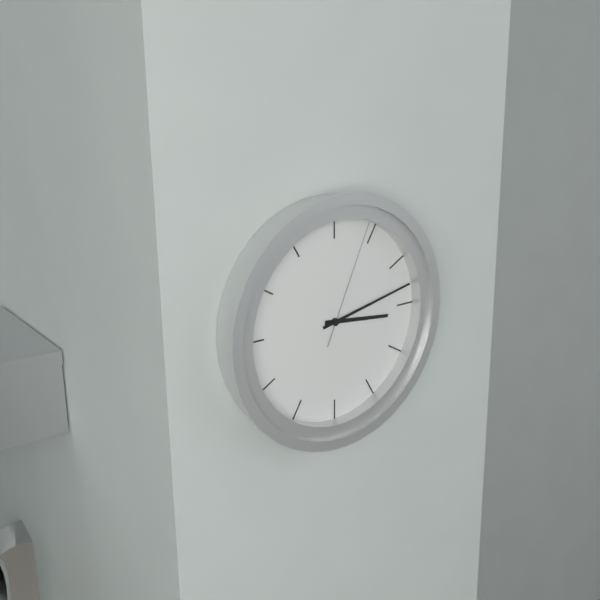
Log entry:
h=3 m=13 s=4
